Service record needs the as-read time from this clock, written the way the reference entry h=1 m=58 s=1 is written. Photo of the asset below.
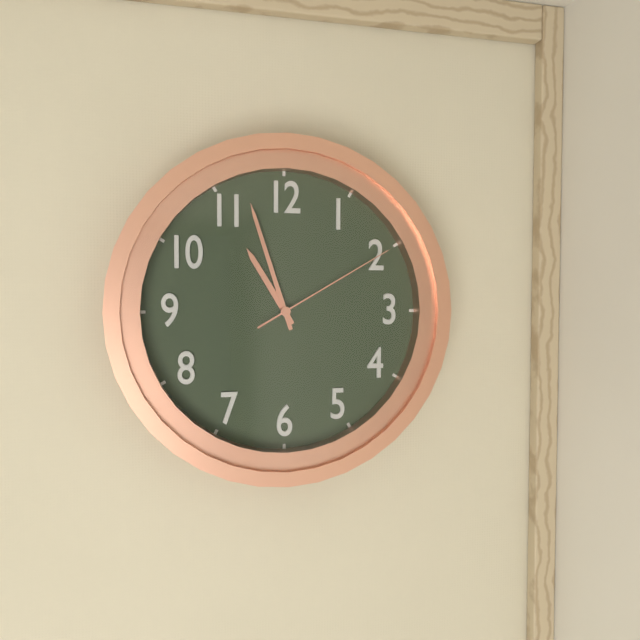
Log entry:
h=10 m=57 s=10
